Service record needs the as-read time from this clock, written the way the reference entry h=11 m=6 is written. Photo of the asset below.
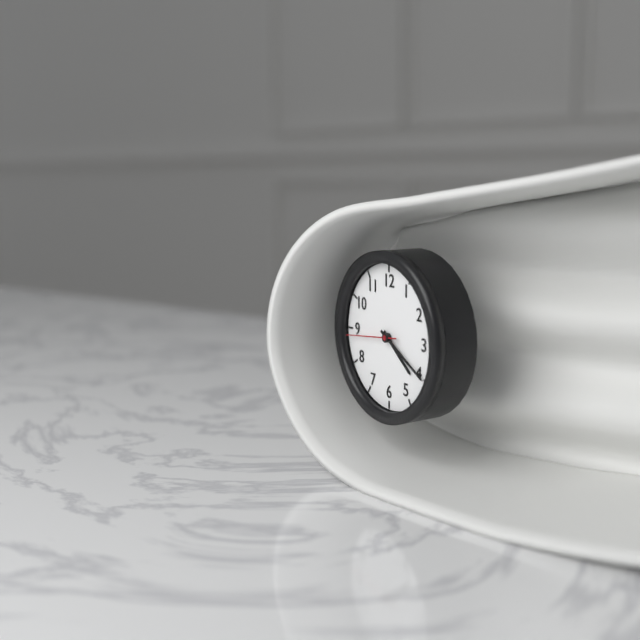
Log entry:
h=4 m=20
